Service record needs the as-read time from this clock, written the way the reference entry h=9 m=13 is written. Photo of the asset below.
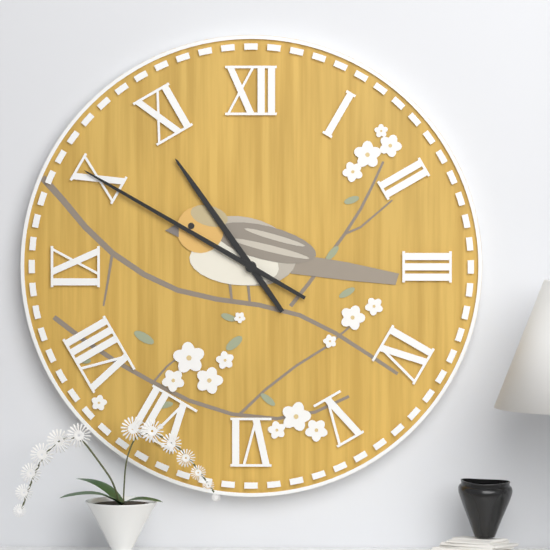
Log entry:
h=10 m=50
